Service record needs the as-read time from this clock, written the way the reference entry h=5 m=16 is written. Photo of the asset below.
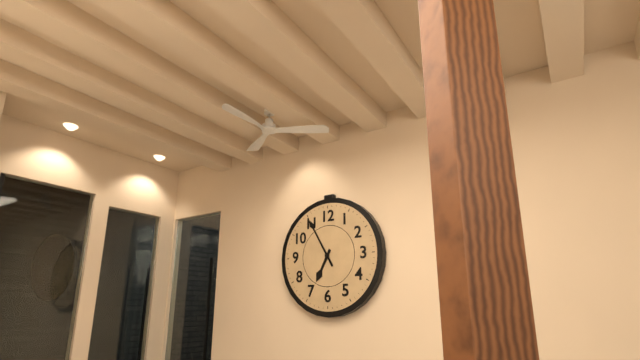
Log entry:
h=6 m=55
